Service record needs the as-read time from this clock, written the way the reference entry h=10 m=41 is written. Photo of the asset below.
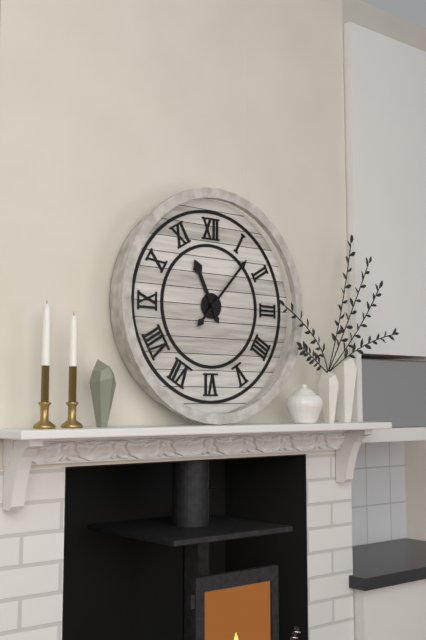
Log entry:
h=11 m=7
